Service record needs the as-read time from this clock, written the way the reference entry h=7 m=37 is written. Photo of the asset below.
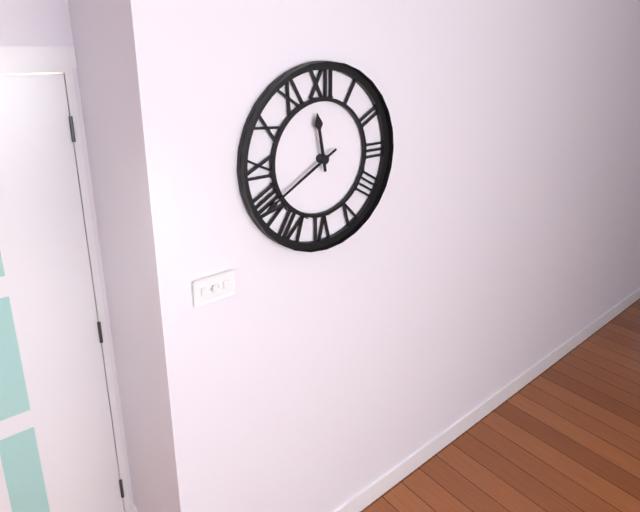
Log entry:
h=11 m=40
